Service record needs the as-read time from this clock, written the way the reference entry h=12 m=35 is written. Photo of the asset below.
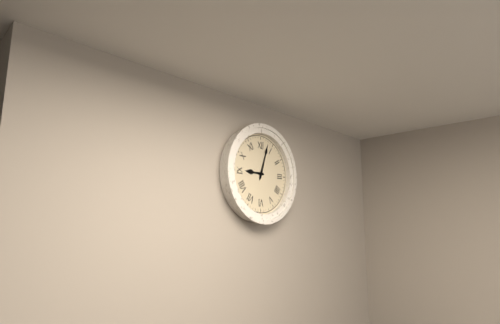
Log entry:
h=9 m=3
